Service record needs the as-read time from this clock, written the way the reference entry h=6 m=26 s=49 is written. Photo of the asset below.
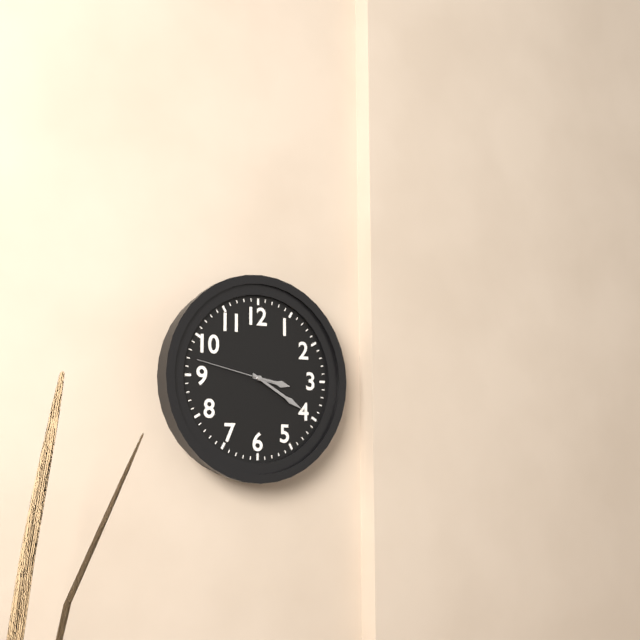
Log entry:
h=3 m=20 s=47
